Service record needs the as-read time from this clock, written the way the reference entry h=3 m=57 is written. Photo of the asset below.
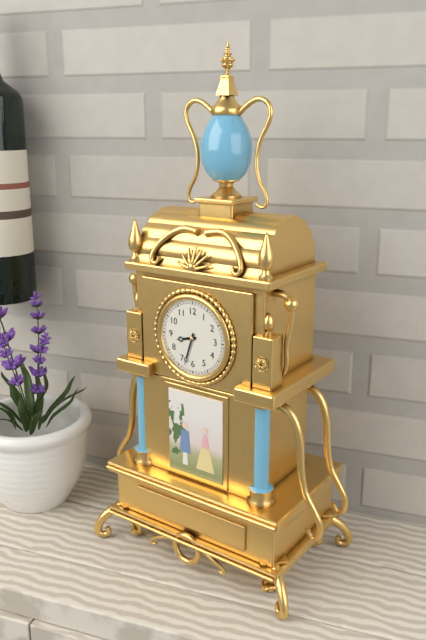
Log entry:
h=8 m=33
